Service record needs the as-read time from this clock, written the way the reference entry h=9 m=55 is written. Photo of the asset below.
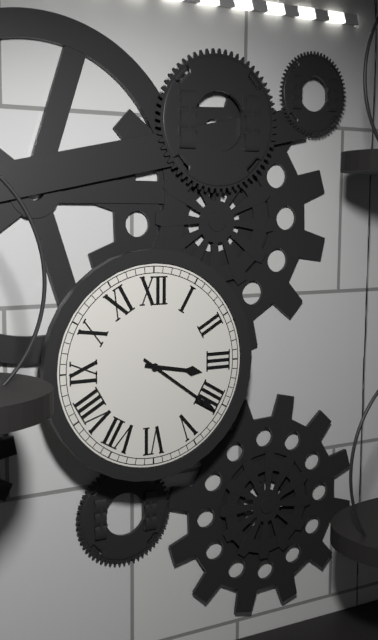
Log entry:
h=3 m=21
